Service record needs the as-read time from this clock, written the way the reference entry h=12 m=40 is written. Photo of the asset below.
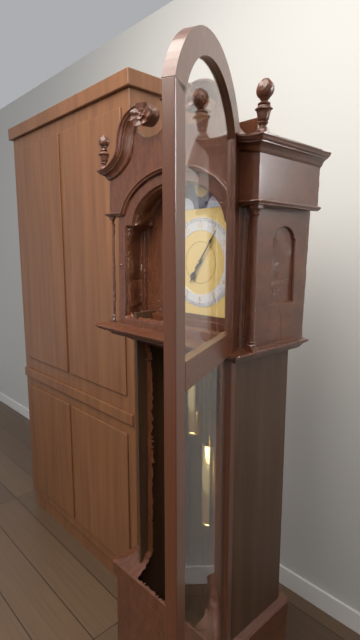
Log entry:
h=7 m=6
